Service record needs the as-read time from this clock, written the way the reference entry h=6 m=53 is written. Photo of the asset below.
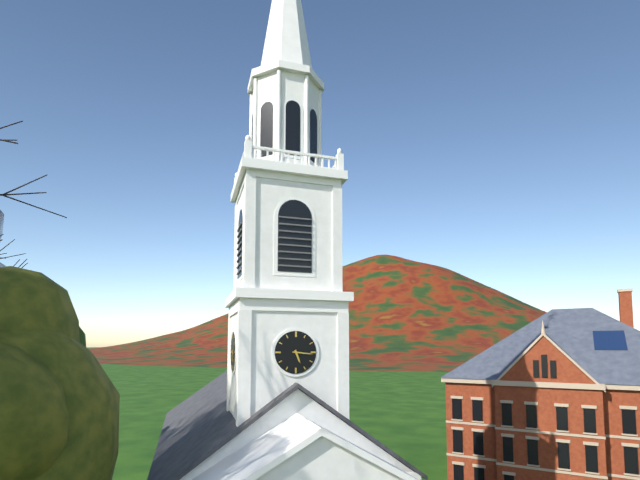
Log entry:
h=5 m=16
